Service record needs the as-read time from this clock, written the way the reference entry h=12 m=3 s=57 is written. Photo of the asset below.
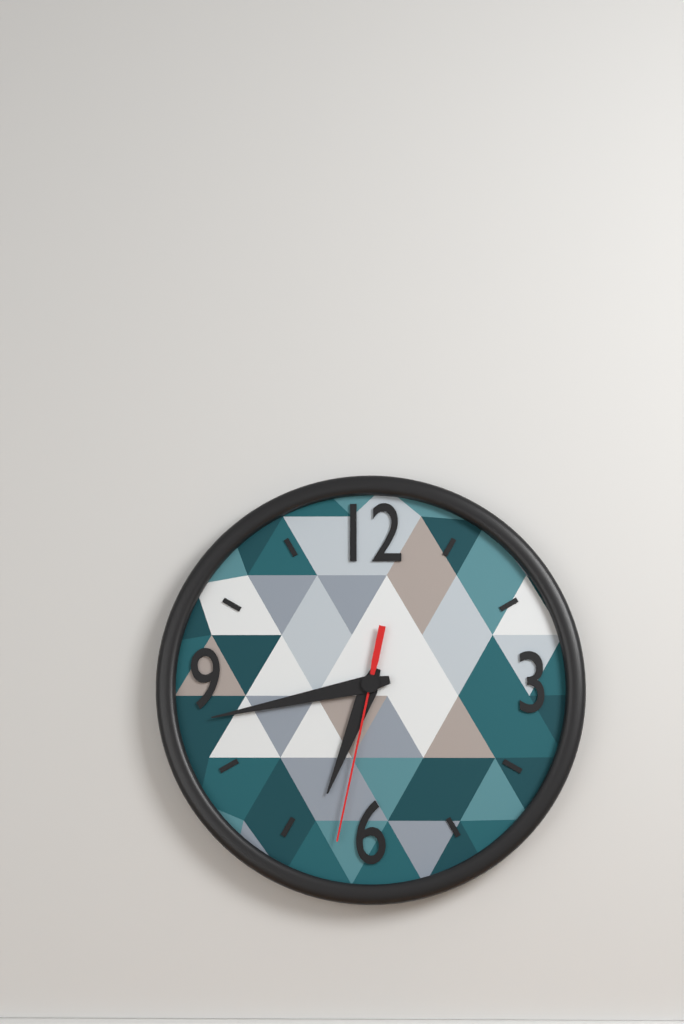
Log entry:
h=6 m=43 s=32
